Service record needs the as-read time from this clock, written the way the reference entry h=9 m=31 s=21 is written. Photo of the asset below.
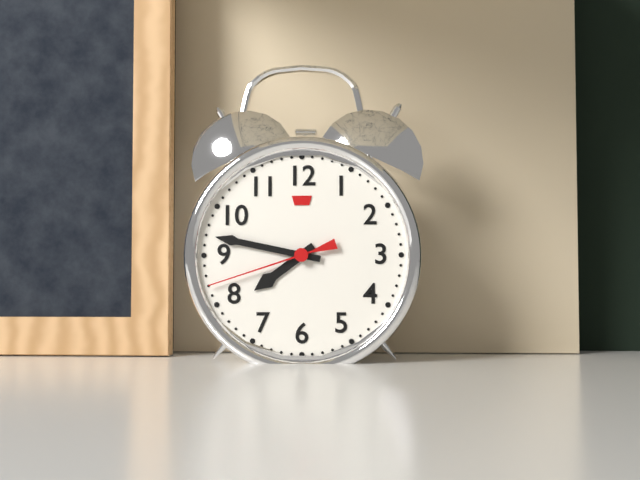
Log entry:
h=7 m=47 s=42
